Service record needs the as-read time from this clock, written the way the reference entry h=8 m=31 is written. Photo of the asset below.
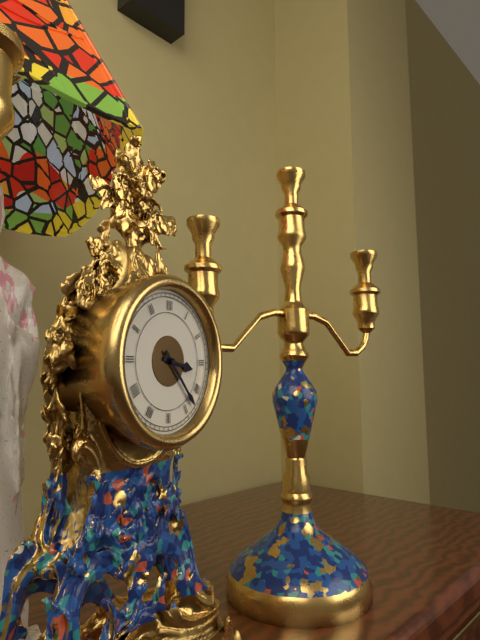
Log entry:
h=3 m=23
